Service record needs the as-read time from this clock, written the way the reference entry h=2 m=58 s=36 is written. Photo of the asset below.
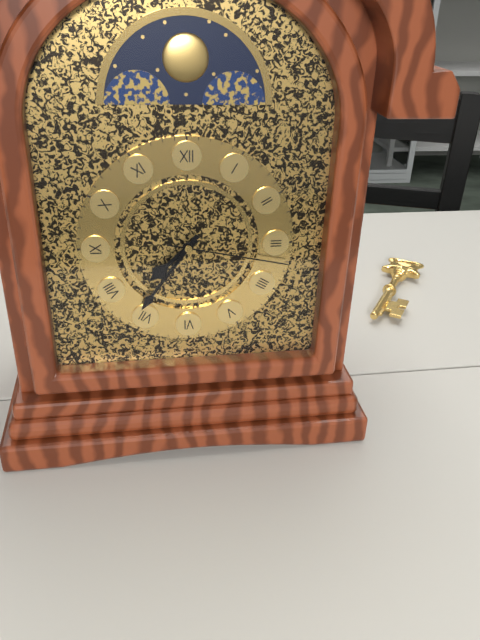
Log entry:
h=7 m=36 s=17
